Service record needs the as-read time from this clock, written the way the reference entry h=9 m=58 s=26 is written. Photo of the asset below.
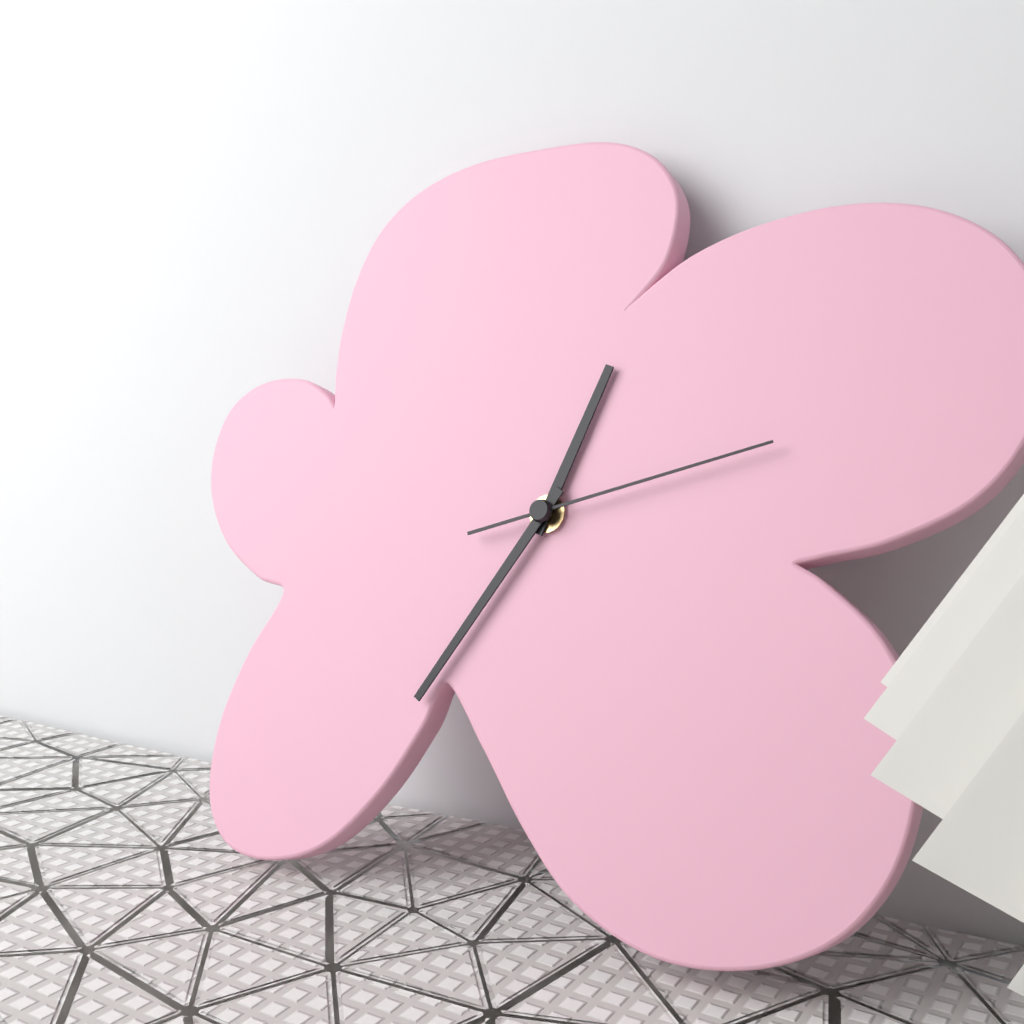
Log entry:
h=12 m=35 s=12
